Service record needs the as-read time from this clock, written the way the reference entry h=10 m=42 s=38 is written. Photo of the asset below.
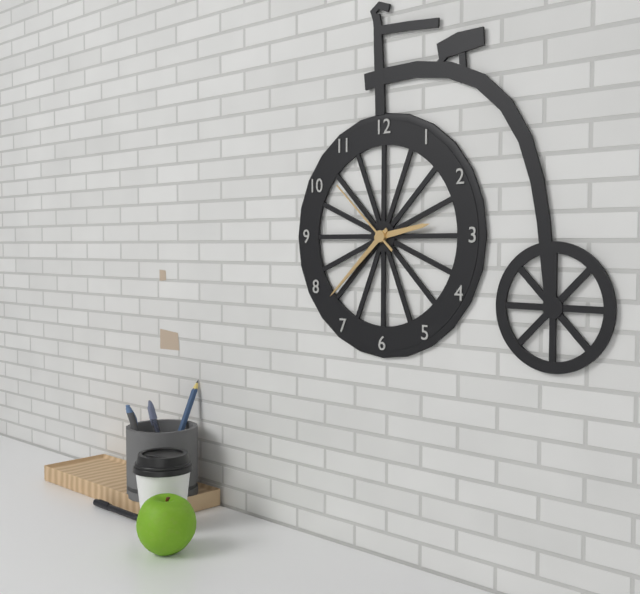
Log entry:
h=2 m=38 s=52
